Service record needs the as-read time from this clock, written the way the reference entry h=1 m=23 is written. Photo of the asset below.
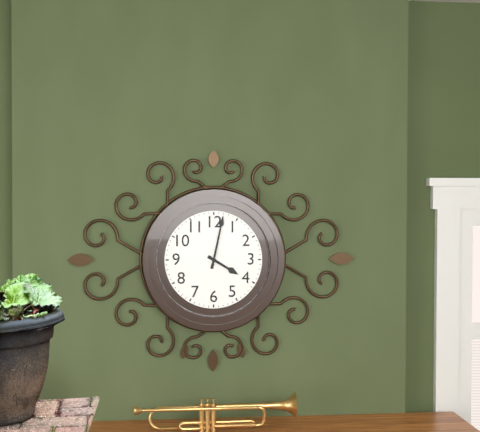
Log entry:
h=4 m=2
